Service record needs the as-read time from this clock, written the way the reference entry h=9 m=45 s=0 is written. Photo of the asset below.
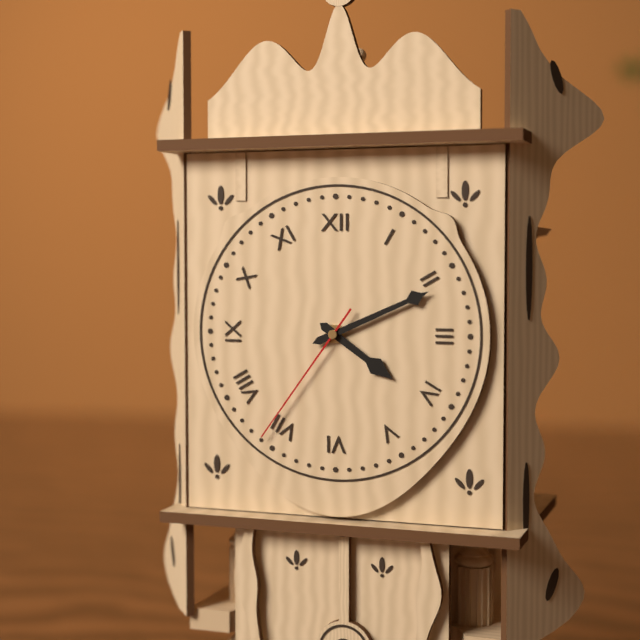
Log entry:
h=4 m=11 s=36
